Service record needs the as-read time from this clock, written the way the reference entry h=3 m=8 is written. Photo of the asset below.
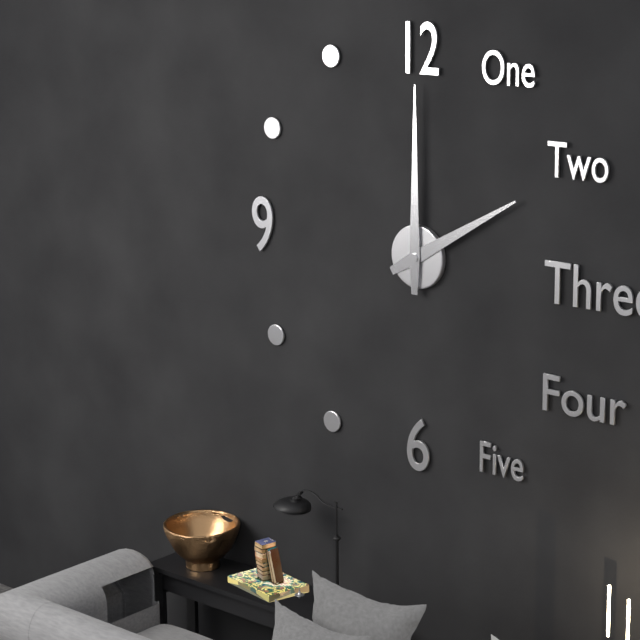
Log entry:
h=2 m=0
